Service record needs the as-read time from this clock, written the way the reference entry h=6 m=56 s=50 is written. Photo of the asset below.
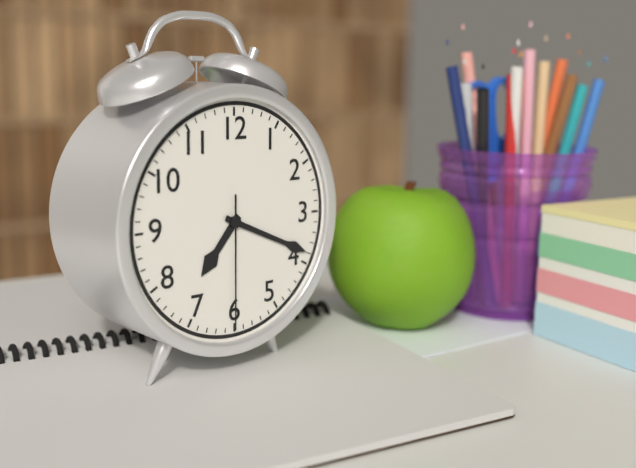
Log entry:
h=7 m=19 s=30
